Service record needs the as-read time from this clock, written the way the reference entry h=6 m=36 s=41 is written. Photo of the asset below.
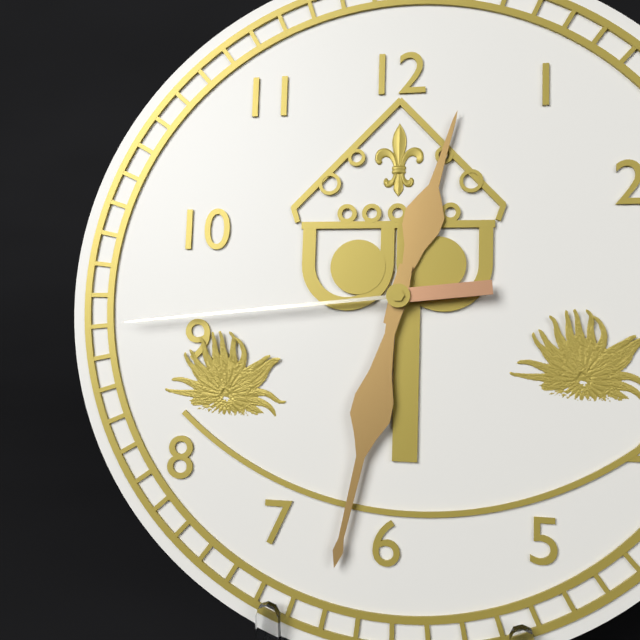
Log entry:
h=12 m=32 s=44
